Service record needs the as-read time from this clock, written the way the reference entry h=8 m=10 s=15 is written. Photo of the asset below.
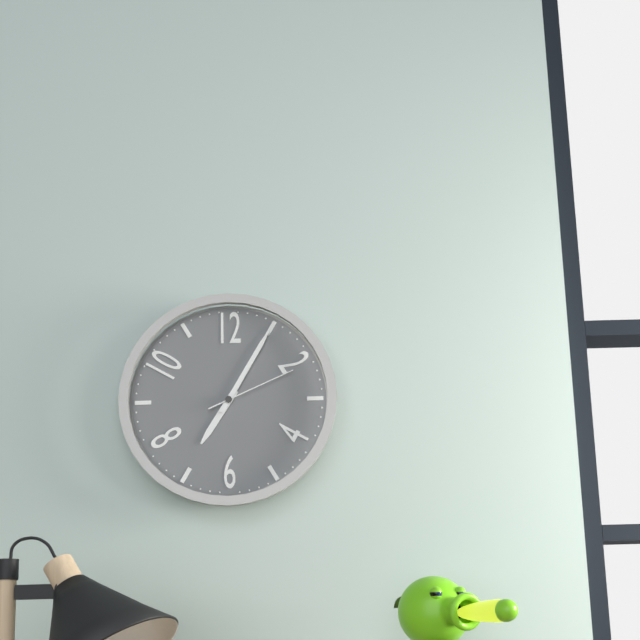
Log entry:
h=7 m=5 s=11
